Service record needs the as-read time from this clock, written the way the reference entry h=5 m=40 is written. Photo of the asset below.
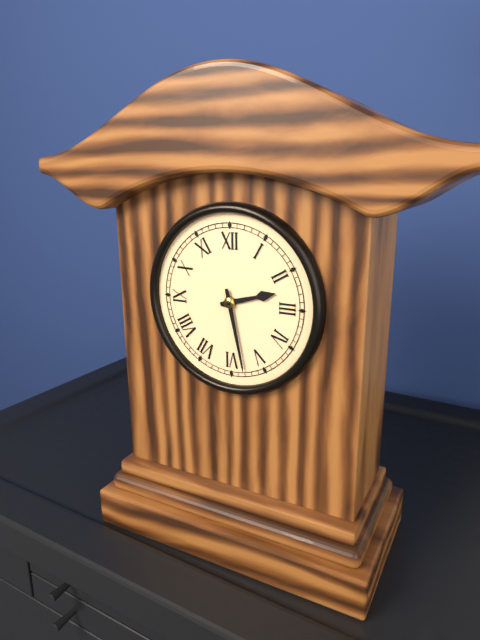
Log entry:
h=2 m=28
